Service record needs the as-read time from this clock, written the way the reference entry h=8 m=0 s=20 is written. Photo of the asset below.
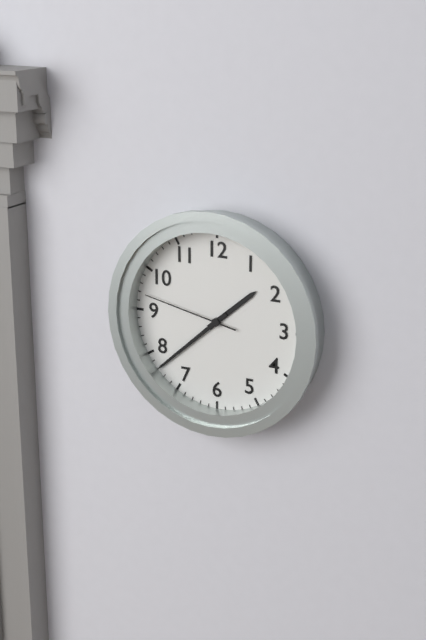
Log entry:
h=1 m=38 s=47
